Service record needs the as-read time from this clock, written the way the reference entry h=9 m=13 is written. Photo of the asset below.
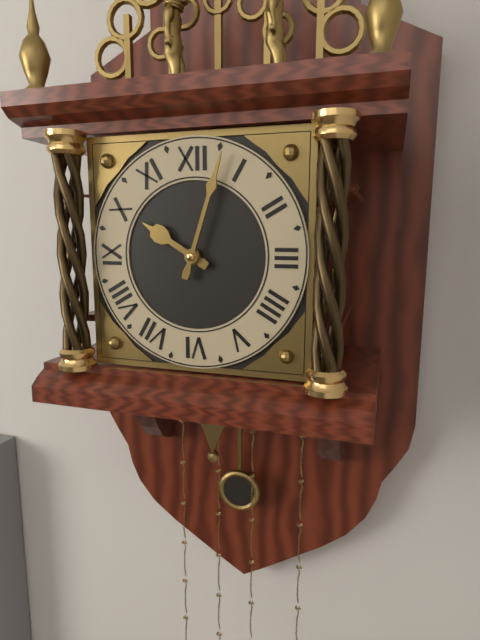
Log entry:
h=10 m=3
